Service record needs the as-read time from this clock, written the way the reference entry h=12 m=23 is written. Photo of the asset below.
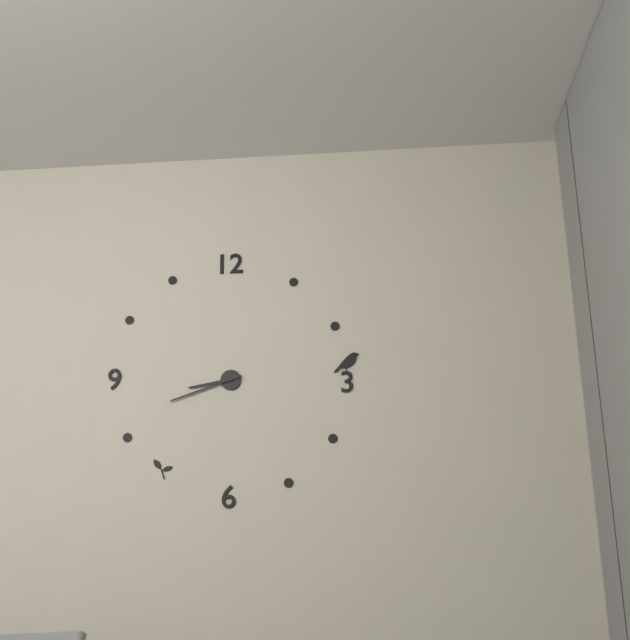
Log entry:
h=8 m=42
